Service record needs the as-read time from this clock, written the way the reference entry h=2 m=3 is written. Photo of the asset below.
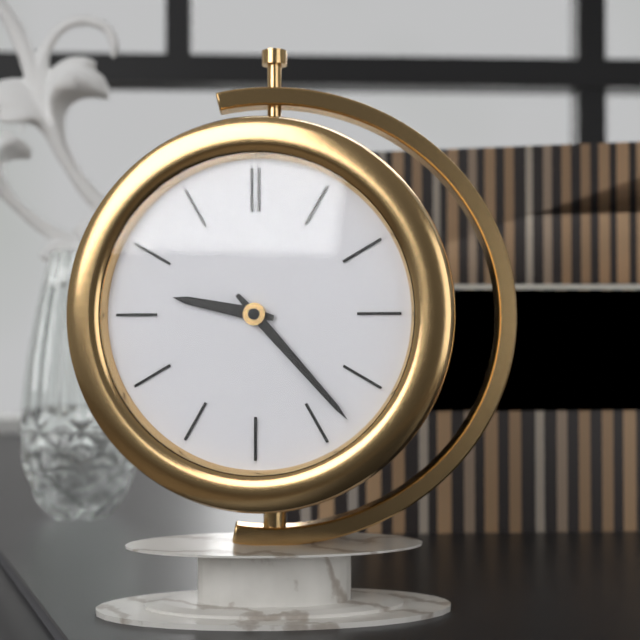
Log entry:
h=9 m=23
